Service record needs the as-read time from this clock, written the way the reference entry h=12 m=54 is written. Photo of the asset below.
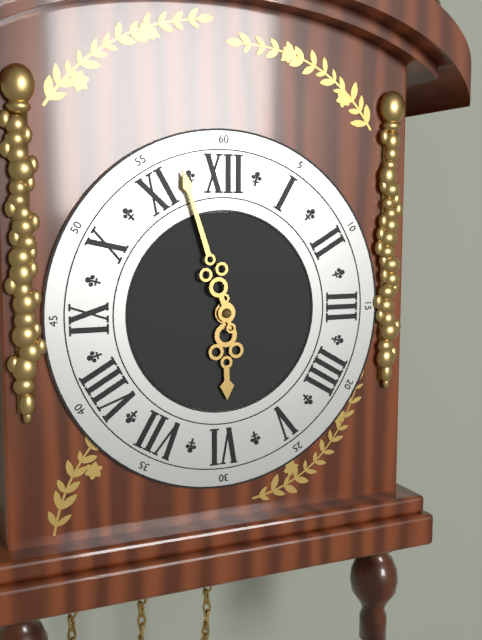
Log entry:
h=5 m=57
